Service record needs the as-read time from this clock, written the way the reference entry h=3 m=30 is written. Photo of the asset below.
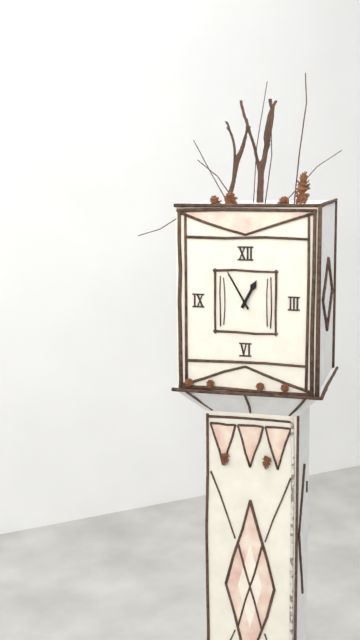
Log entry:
h=12 m=55
